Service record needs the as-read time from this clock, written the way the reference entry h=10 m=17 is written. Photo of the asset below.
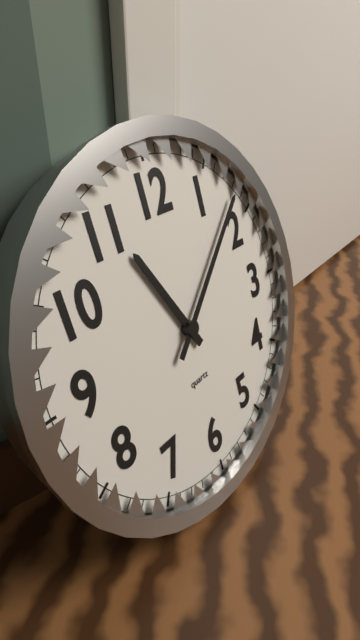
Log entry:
h=11 m=8
